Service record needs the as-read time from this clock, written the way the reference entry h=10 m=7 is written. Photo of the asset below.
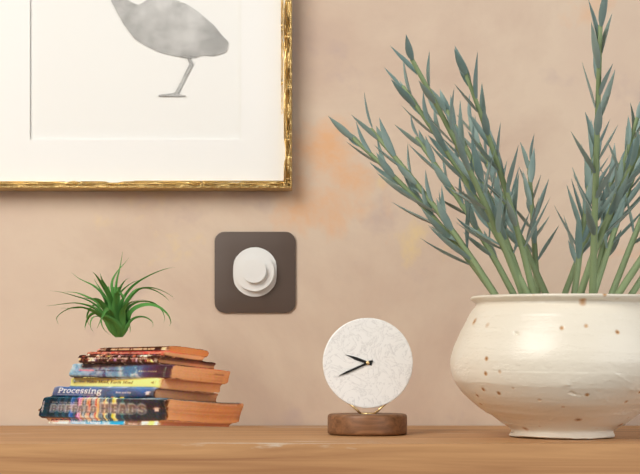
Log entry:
h=9 m=41
